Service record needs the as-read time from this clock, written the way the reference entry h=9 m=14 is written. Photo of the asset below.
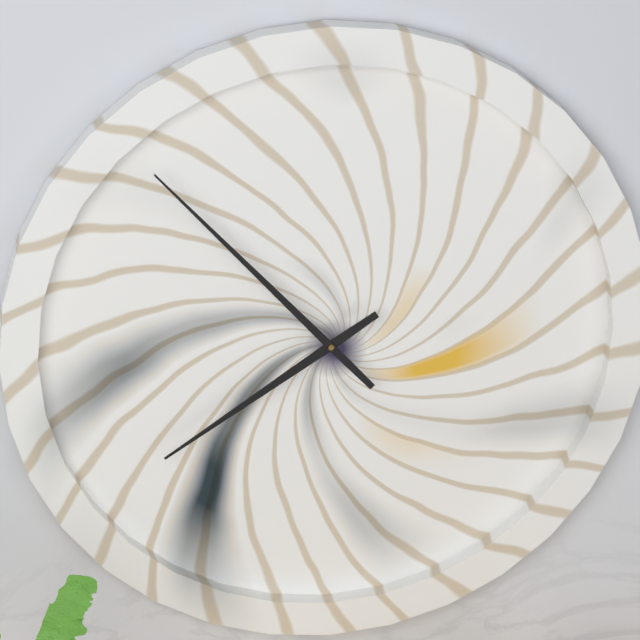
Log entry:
h=7 m=53
